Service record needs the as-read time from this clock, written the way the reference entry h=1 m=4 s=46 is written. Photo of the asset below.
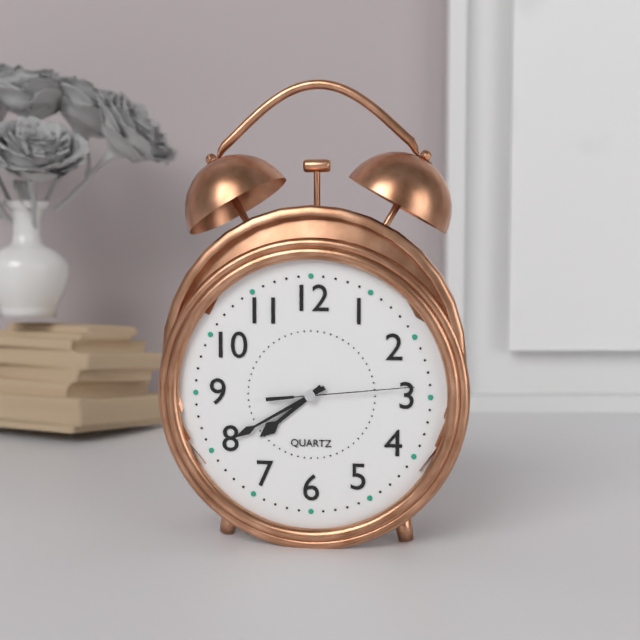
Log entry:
h=7 m=40 s=14
